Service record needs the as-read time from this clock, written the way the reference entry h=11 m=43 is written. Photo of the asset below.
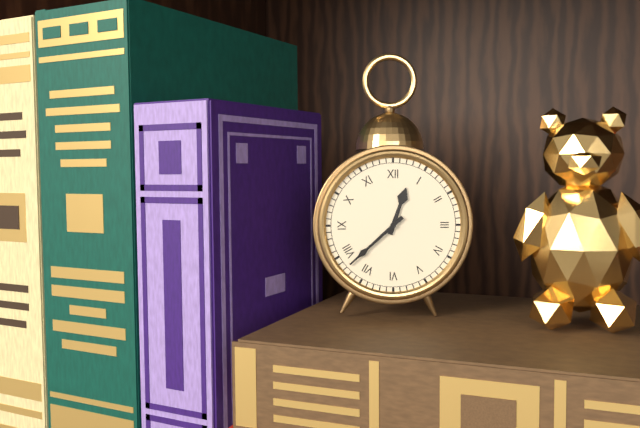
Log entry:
h=12 m=38
